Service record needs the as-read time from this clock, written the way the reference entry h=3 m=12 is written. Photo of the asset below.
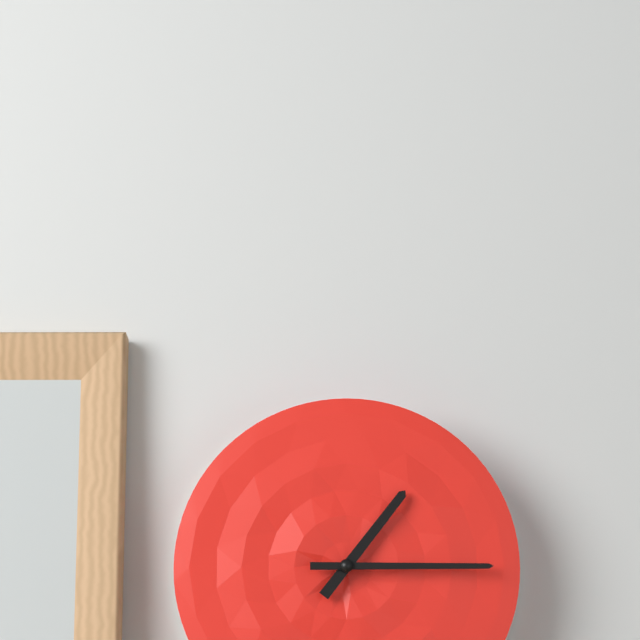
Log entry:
h=1 m=15
